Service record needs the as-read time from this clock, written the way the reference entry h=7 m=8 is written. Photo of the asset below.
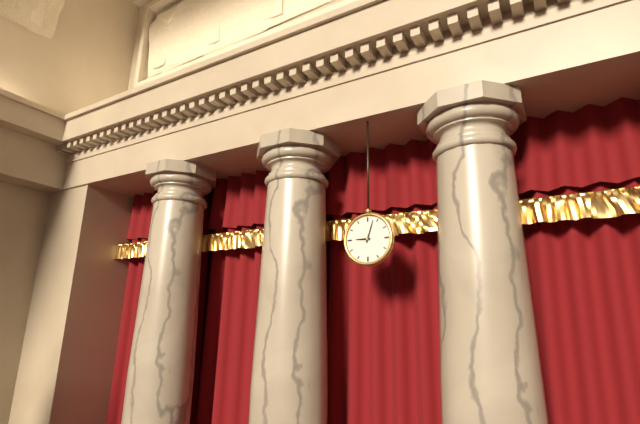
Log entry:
h=9 m=3
